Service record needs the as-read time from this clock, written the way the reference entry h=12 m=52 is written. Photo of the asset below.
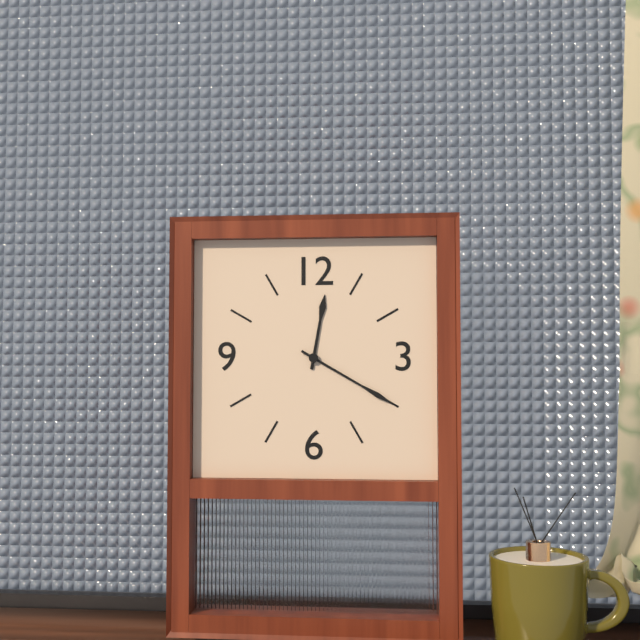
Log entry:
h=12 m=20
